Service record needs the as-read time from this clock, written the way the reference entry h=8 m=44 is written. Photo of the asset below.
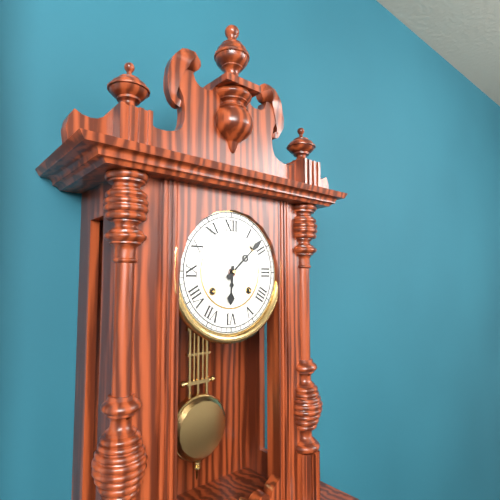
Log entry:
h=6 m=8
